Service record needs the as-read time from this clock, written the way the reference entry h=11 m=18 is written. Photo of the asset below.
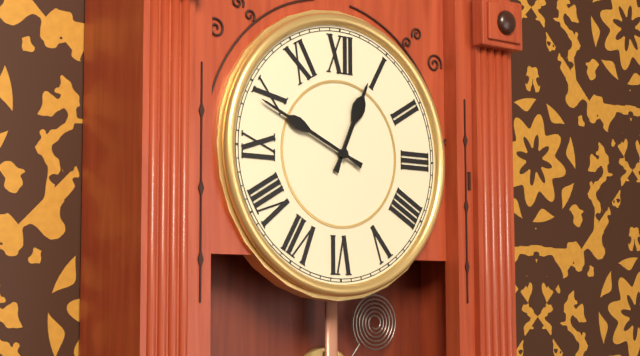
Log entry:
h=12 m=49
